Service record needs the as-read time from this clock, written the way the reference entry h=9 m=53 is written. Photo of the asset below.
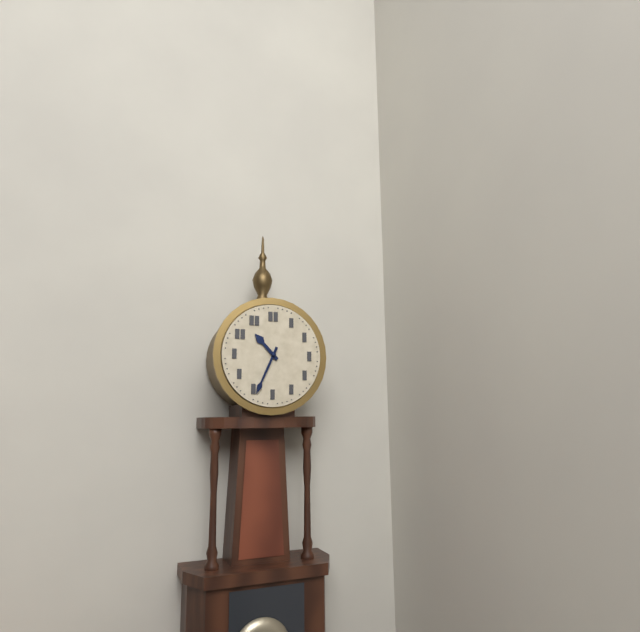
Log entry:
h=10 m=34
